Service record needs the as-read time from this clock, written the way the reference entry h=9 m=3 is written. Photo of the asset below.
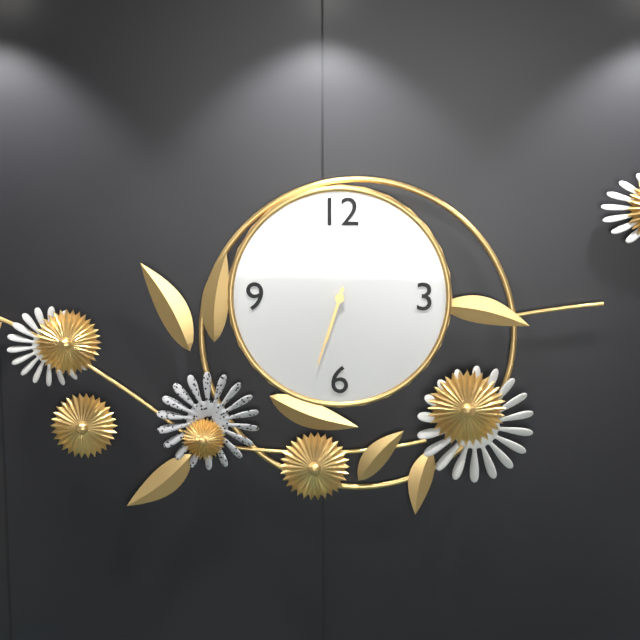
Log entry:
h=6 m=33
